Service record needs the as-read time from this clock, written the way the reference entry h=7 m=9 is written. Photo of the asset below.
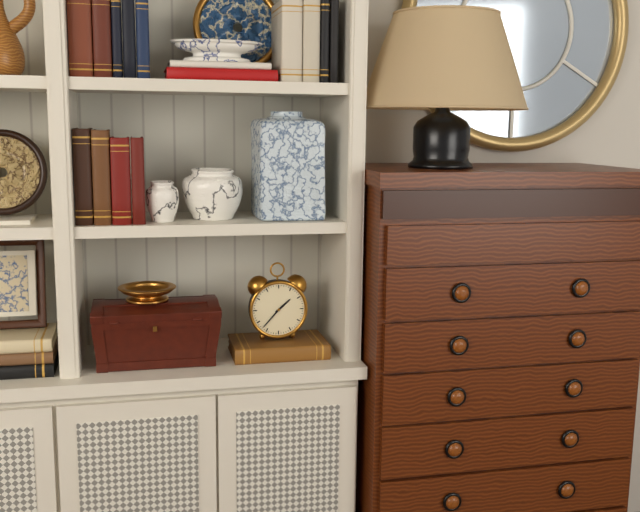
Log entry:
h=1 m=37
